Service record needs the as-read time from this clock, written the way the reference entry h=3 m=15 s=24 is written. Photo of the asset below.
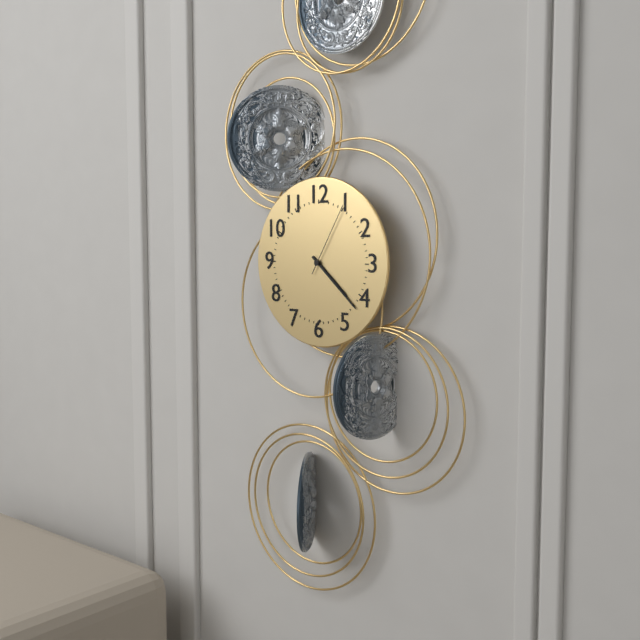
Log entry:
h=4 m=22 s=5
